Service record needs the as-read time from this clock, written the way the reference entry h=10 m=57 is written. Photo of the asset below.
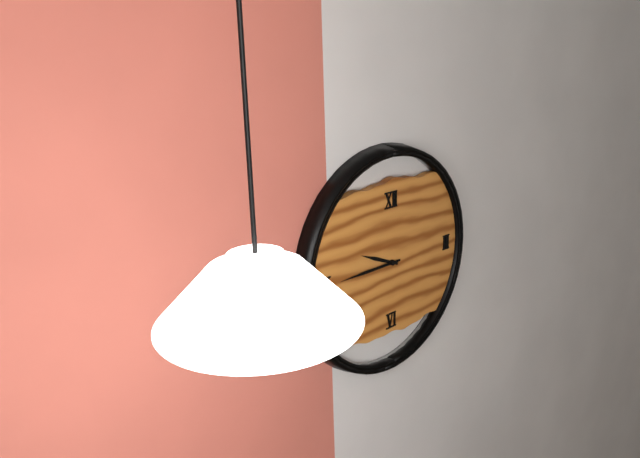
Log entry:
h=9 m=45
